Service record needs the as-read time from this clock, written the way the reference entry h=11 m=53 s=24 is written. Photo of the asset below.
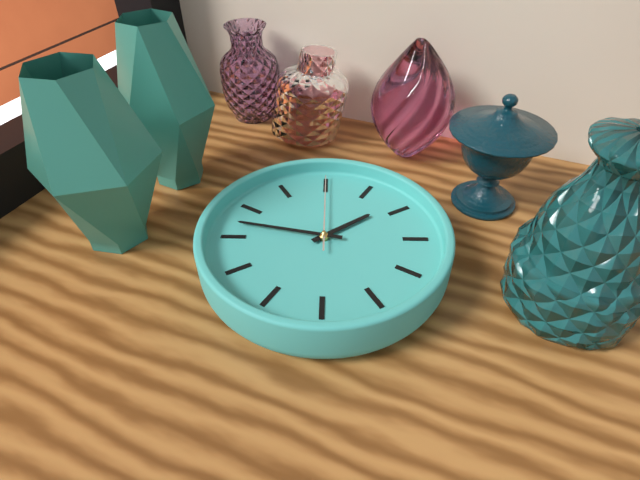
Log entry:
h=1 m=47 s=0
